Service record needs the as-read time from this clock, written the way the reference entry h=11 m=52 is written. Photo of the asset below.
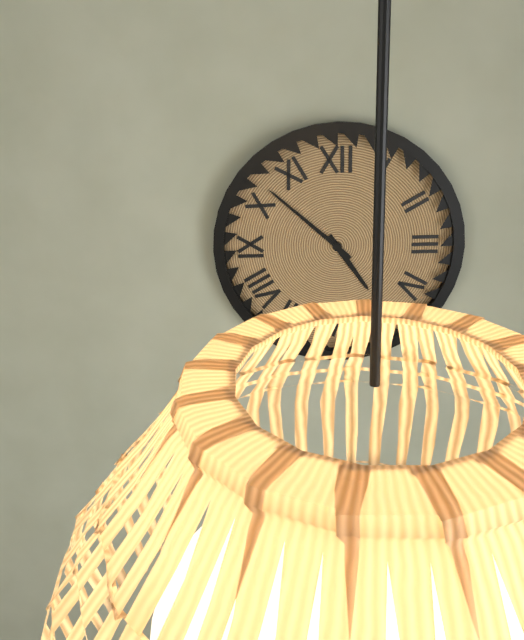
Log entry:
h=4 m=52
